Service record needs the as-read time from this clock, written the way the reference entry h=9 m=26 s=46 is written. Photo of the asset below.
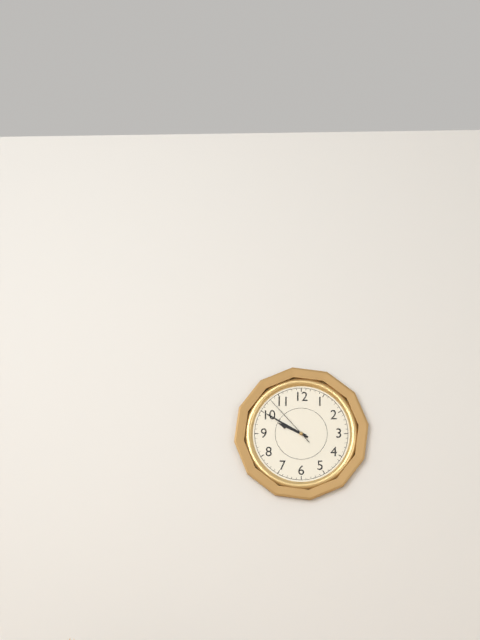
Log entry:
h=9 m=50 s=53
